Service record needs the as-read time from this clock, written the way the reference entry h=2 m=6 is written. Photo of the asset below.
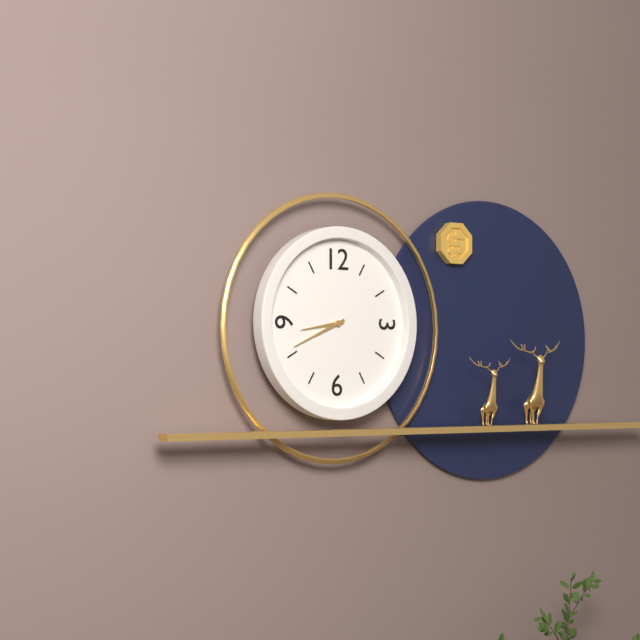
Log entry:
h=8 m=41
